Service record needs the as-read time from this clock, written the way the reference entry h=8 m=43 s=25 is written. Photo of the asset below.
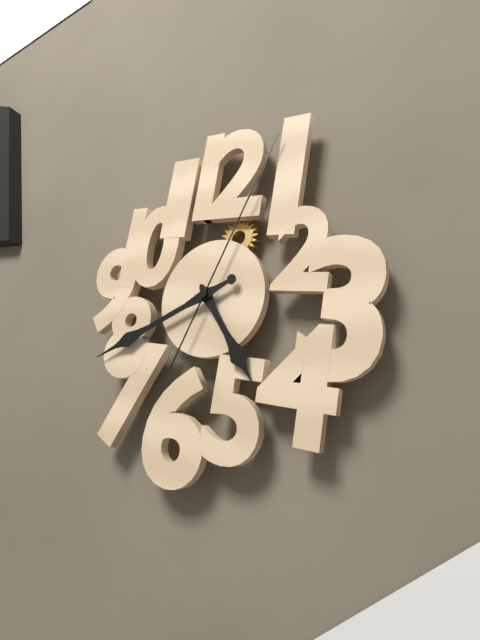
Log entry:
h=4 m=40 s=3
